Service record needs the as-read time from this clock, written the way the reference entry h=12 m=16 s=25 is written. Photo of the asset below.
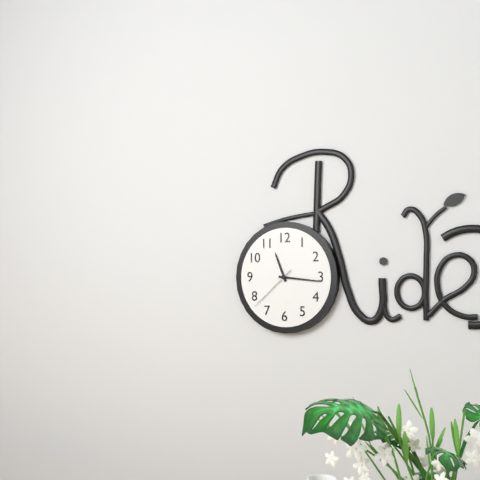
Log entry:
h=11 m=16 s=38
